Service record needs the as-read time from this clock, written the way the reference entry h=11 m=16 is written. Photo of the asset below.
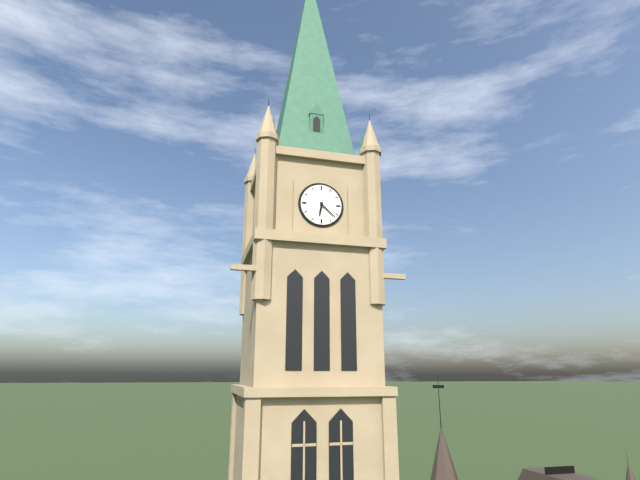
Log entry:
h=6 m=22
